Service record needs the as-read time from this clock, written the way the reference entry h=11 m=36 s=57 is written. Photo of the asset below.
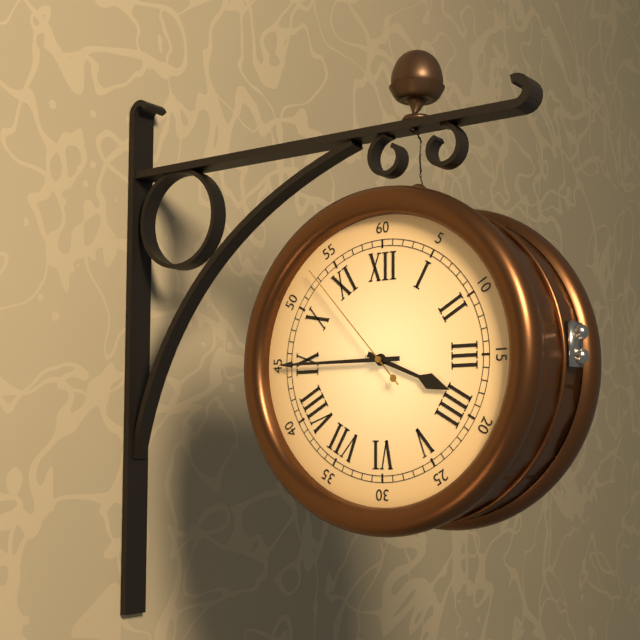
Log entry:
h=3 m=45 s=53
